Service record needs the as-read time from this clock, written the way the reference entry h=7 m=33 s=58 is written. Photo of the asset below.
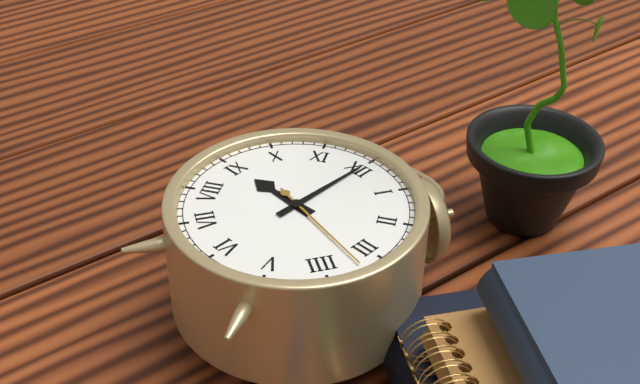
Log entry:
h=9 m=0 s=17
